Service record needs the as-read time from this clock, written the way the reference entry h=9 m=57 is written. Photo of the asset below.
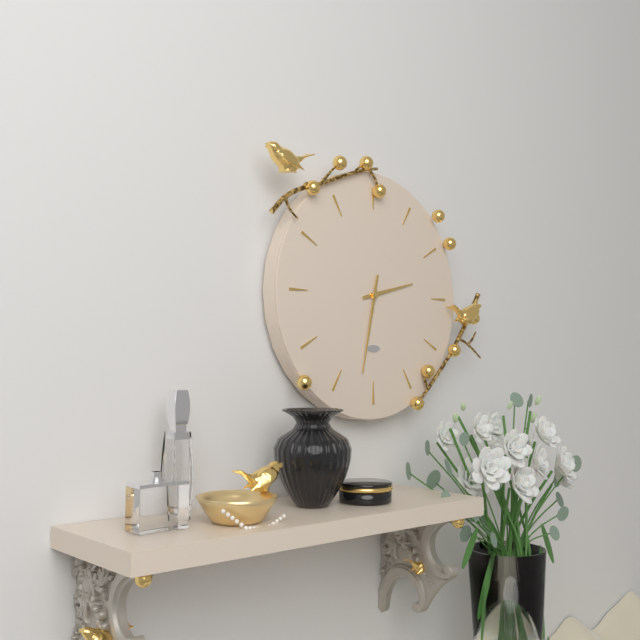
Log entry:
h=2 m=32
